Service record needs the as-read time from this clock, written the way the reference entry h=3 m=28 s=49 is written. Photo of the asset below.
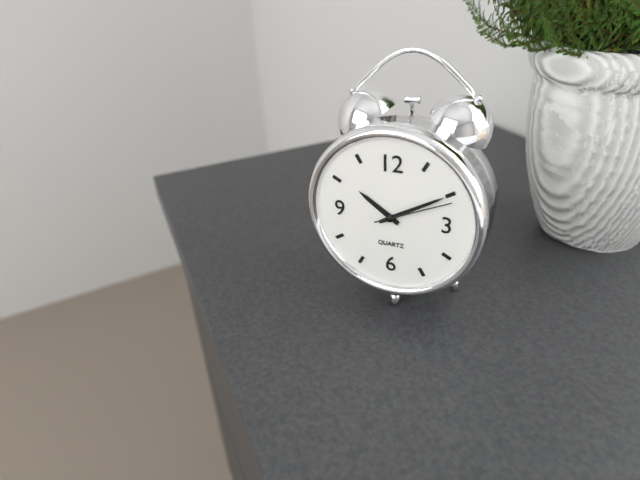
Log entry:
h=10 m=10 s=11
